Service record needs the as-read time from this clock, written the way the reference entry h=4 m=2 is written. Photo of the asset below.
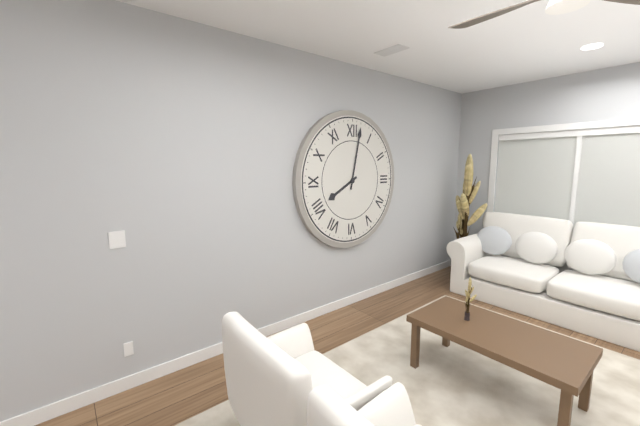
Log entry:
h=8 m=2
